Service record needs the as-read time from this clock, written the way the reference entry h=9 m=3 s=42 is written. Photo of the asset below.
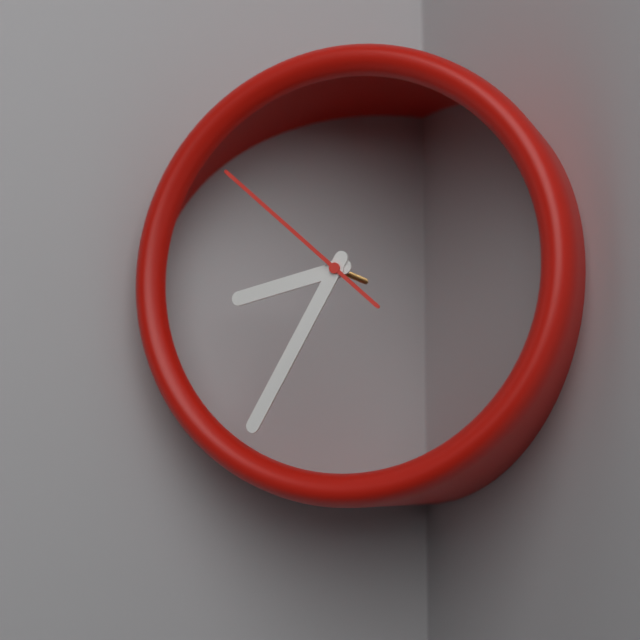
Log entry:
h=8 m=35 s=52
